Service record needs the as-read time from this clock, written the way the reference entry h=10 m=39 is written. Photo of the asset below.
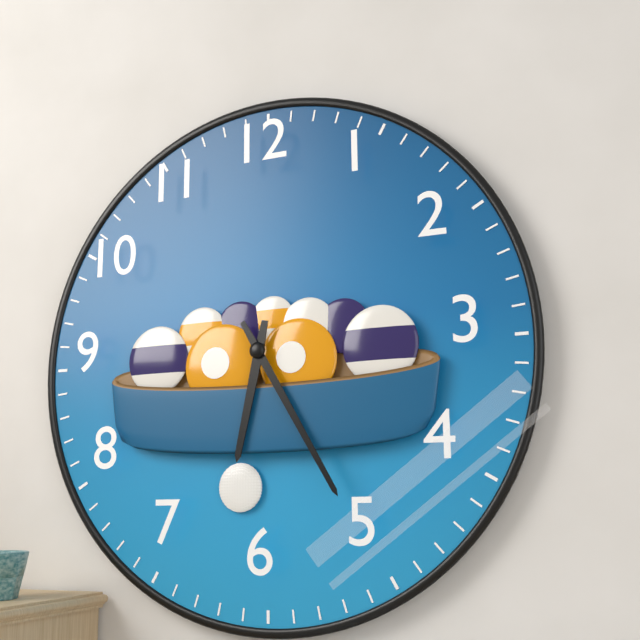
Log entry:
h=6 m=25
